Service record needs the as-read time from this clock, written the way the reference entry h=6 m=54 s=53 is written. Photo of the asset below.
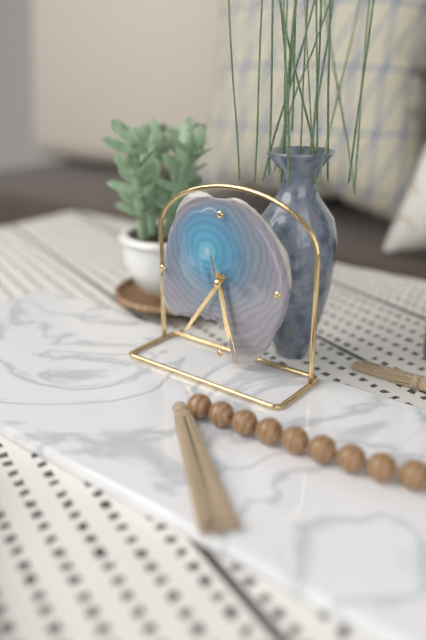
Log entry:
h=5 m=36 s=27
